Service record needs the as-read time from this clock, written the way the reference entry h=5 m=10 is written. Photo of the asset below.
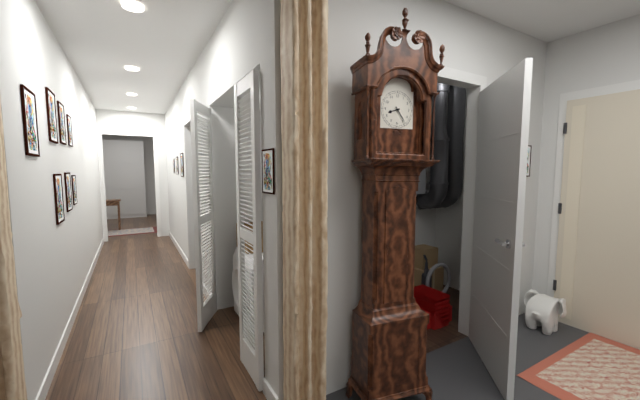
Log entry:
h=8 m=24
